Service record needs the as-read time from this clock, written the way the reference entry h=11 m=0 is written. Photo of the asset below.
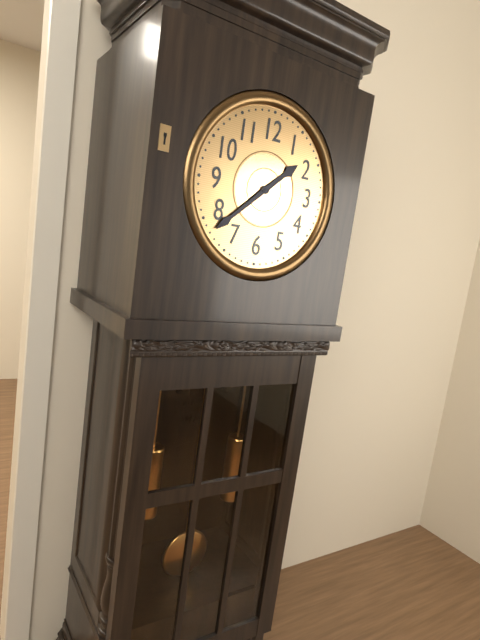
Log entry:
h=1 m=38
